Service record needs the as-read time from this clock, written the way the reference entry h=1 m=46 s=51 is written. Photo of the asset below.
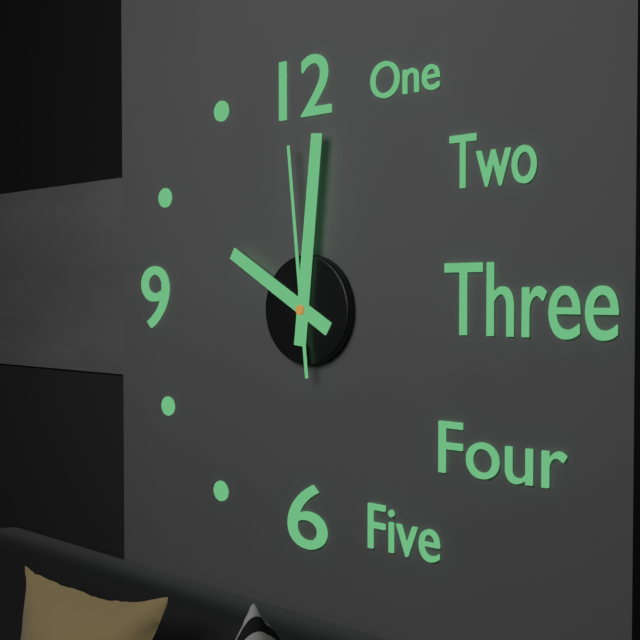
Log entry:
h=10 m=1 s=59
